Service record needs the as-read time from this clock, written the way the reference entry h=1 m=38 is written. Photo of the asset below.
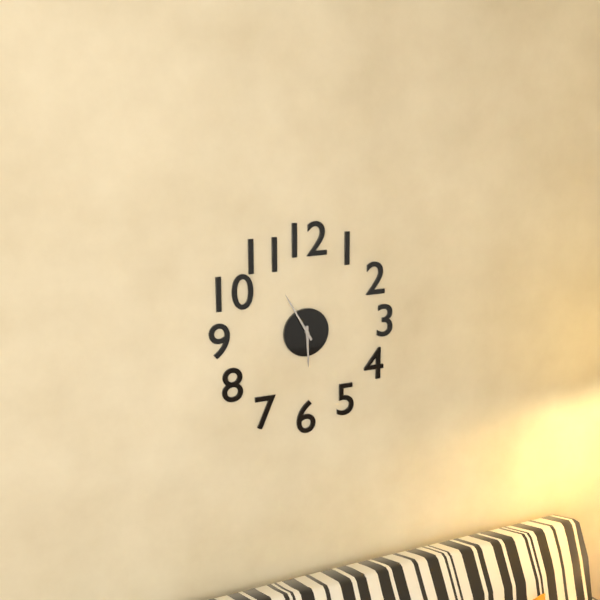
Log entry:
h=5 m=55
